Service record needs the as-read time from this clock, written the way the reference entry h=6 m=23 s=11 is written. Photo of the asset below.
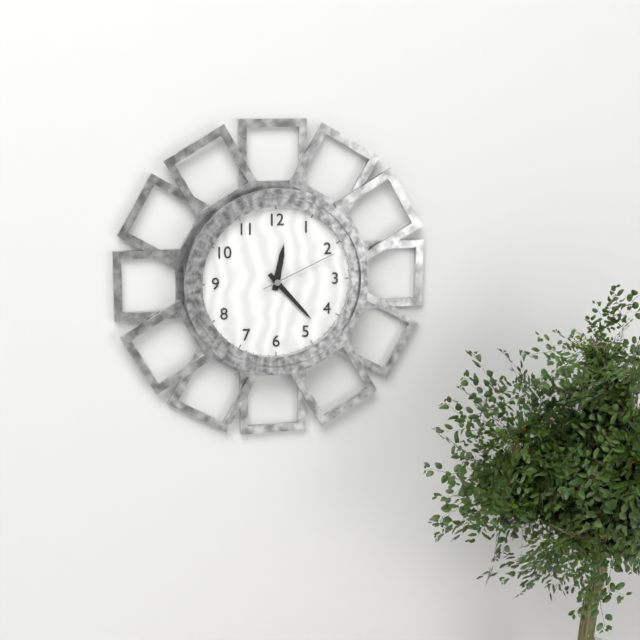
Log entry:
h=12 m=23 s=11
